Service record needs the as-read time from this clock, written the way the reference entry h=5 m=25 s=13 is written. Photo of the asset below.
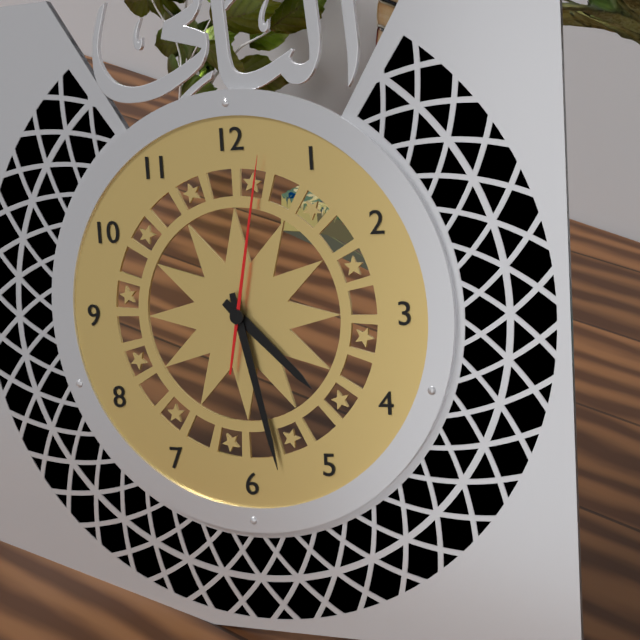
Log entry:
h=4 m=28 s=2
